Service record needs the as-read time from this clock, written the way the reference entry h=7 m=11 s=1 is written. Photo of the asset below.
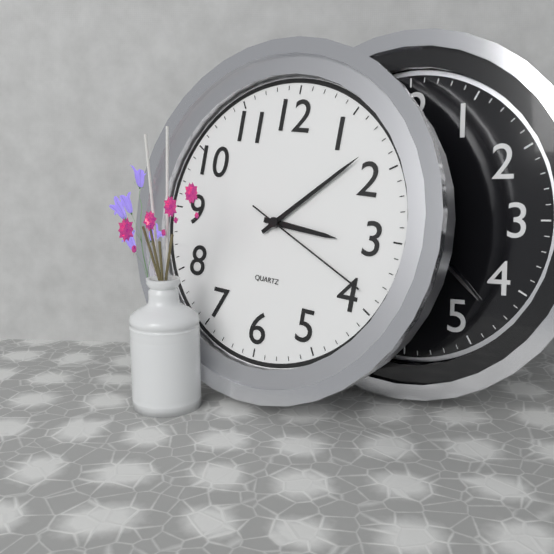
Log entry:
h=3 m=8 s=19
